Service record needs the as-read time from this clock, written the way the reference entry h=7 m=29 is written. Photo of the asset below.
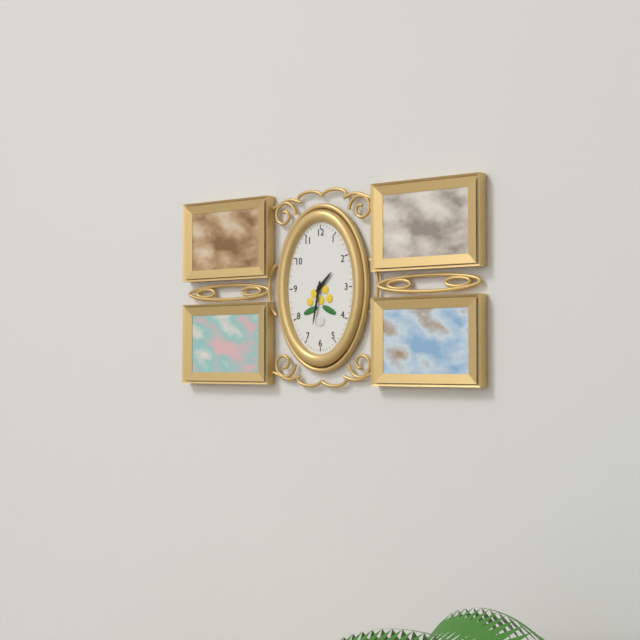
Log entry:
h=1 m=32
